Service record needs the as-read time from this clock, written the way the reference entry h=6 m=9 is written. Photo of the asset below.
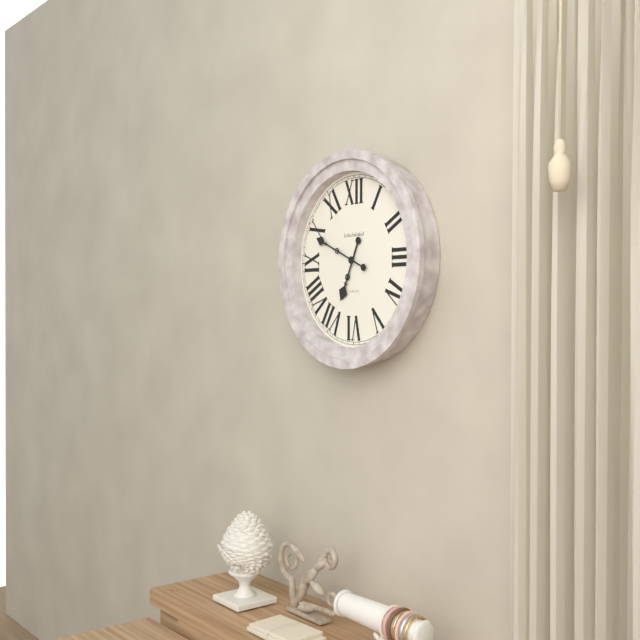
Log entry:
h=6 m=49
